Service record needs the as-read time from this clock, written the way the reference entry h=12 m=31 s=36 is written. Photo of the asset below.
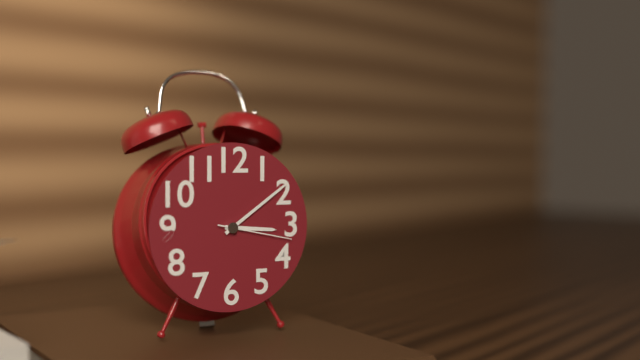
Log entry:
h=3 m=9 s=17
